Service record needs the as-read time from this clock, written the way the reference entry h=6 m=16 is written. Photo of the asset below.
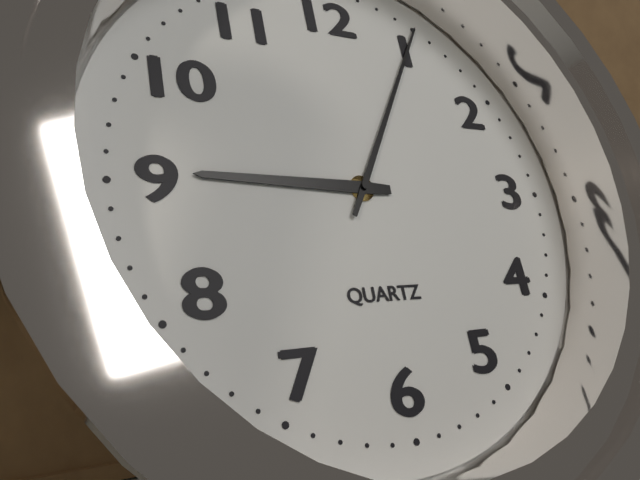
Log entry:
h=9 m=5
